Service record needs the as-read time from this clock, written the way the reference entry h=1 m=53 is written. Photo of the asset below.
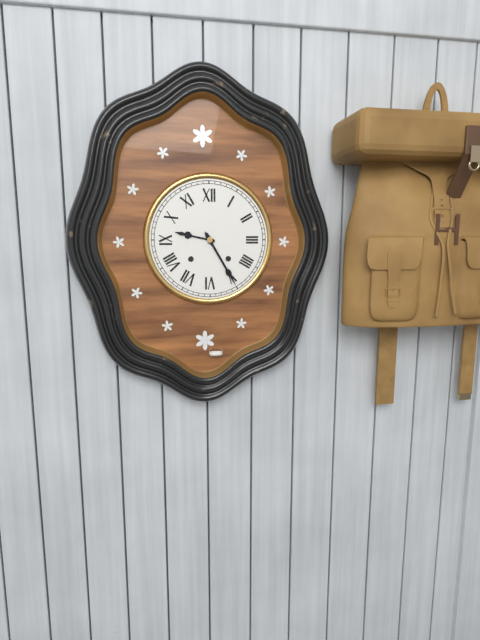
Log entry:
h=9 m=25
